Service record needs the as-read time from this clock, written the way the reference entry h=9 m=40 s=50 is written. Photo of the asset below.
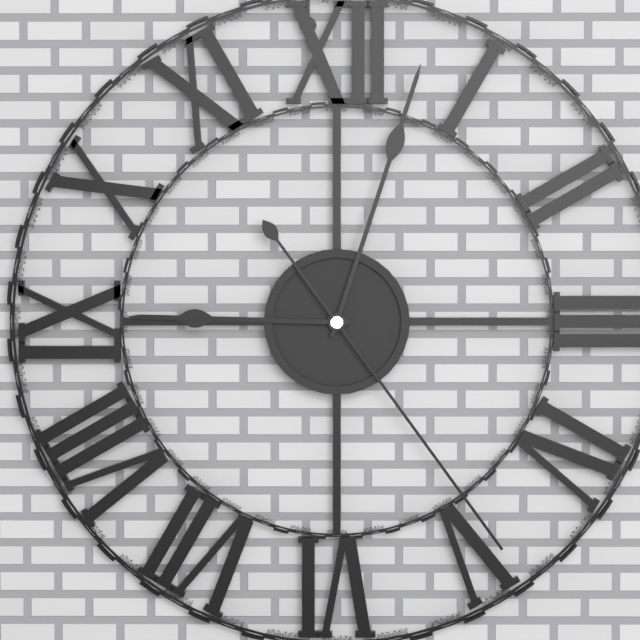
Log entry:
h=9 m=3 s=24
